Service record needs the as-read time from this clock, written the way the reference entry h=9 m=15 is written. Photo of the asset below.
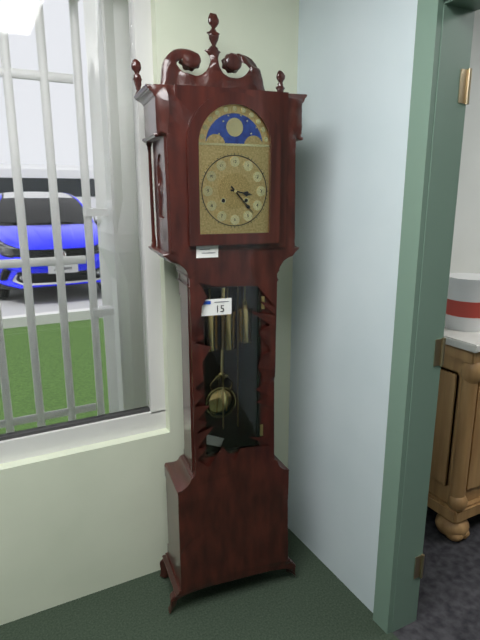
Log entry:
h=3 m=23
